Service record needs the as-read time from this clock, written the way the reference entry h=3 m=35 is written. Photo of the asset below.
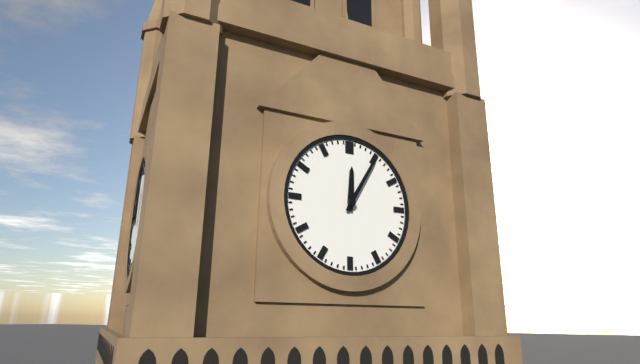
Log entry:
h=12 m=5
